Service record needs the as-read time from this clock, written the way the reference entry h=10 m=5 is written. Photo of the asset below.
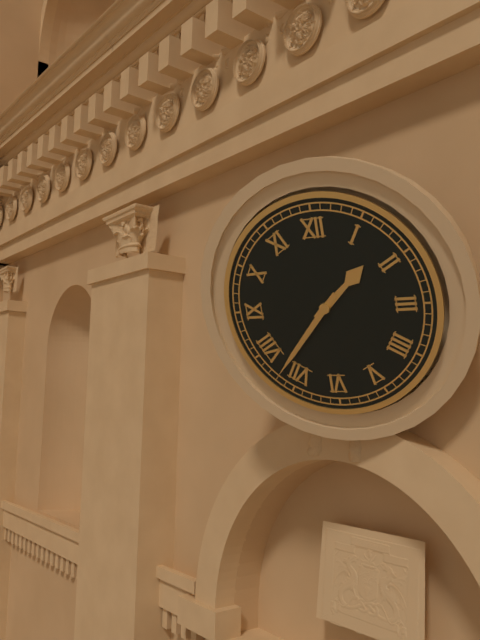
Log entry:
h=1 m=37
